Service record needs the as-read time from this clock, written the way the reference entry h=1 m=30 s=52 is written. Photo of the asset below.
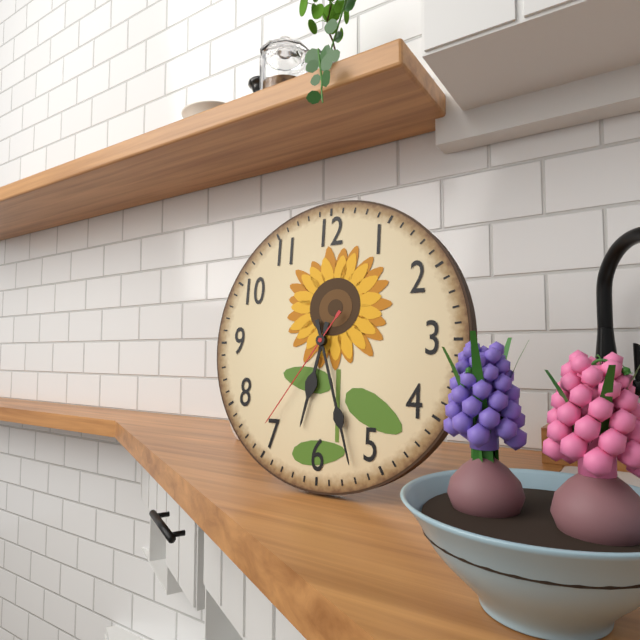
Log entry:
h=6 m=27 s=36
